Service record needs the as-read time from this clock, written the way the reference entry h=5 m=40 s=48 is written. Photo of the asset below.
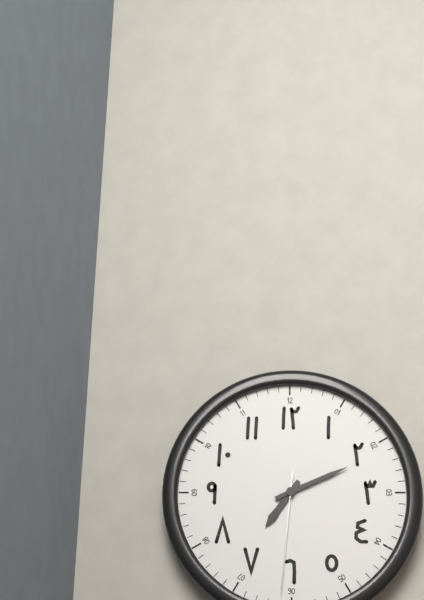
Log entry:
h=7 m=11 s=31
